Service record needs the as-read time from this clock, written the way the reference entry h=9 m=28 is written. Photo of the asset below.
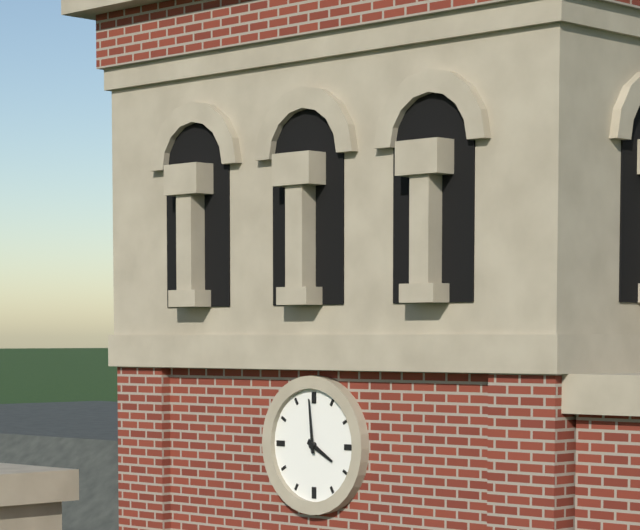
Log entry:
h=3 m=59
